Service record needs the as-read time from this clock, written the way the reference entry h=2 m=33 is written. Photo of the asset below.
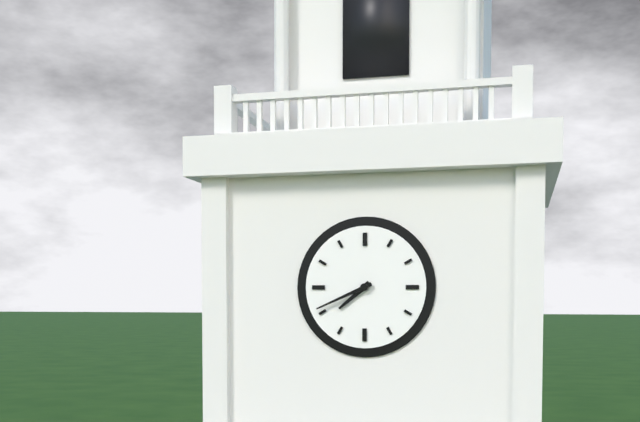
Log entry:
h=7 m=41
